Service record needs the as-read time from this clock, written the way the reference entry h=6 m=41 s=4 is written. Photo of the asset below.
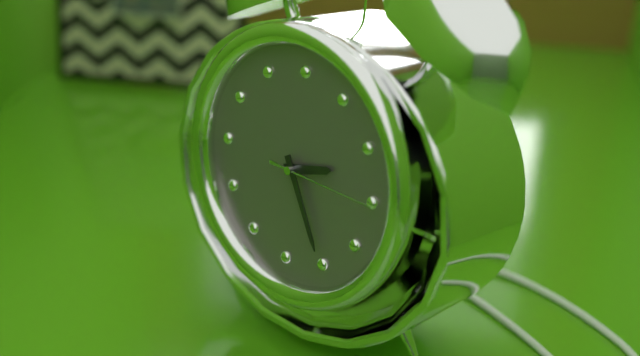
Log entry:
h=2 m=25 s=15
